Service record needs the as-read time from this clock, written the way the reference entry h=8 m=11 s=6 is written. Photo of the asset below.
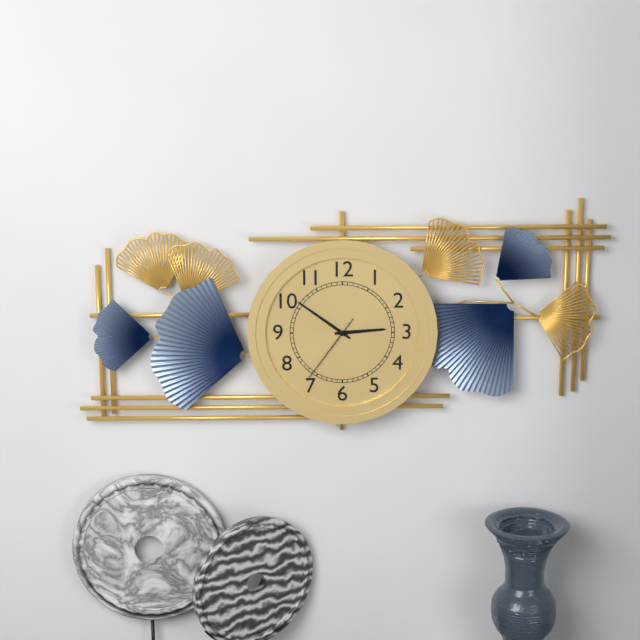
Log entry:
h=2 m=51 s=36
